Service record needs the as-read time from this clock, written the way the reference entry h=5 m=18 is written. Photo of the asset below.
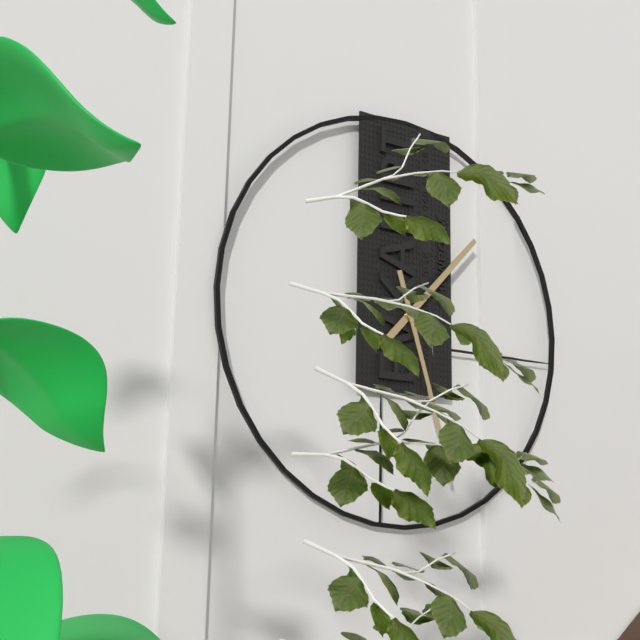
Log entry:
h=1 m=27
